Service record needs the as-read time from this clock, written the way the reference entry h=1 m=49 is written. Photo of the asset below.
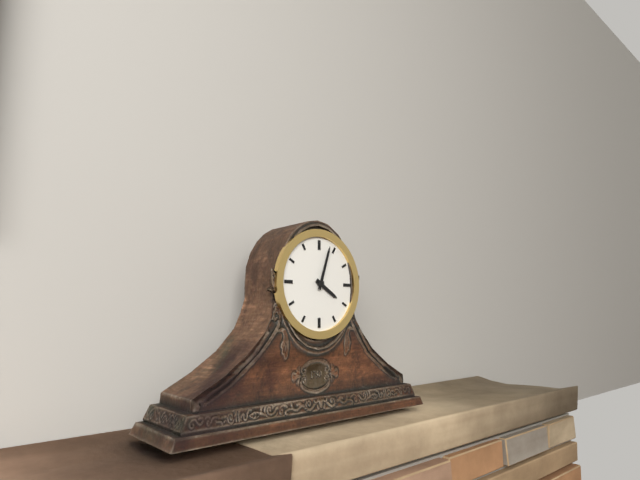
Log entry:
h=4 m=3
